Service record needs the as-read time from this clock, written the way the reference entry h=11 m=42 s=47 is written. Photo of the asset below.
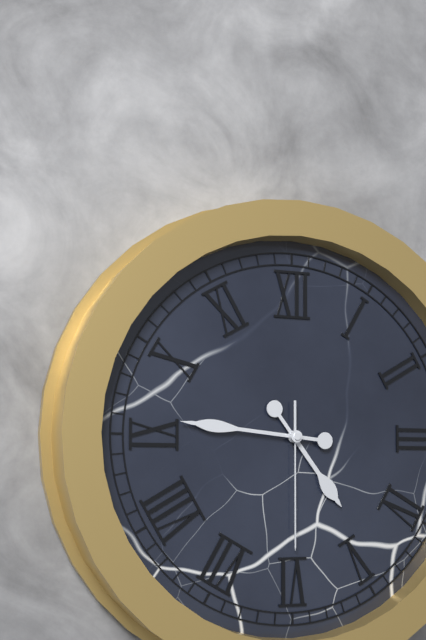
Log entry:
h=4 m=46 s=30
